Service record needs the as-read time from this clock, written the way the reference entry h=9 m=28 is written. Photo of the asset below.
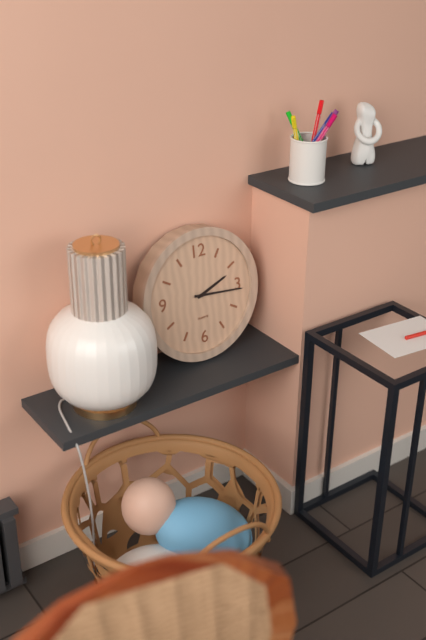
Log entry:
h=2 m=16
